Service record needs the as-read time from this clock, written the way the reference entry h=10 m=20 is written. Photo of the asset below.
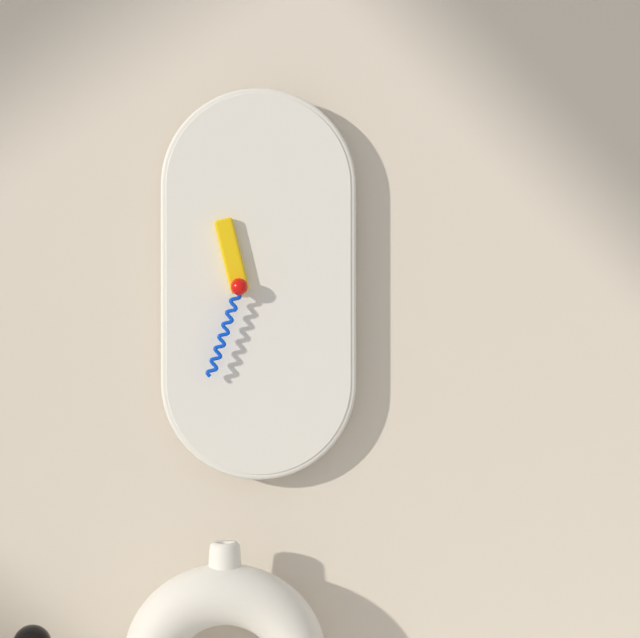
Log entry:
h=11 m=33
